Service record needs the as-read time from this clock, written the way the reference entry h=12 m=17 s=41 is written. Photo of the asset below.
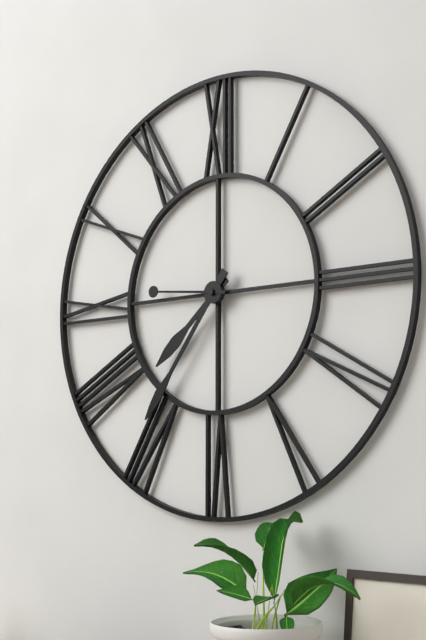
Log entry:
h=7 m=36 s=46
